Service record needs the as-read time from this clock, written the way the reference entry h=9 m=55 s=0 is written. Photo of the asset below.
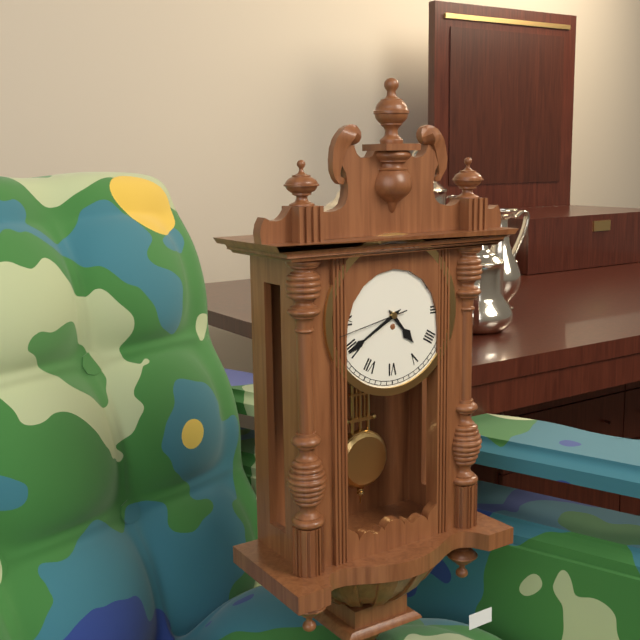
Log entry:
h=4 m=40 s=43
